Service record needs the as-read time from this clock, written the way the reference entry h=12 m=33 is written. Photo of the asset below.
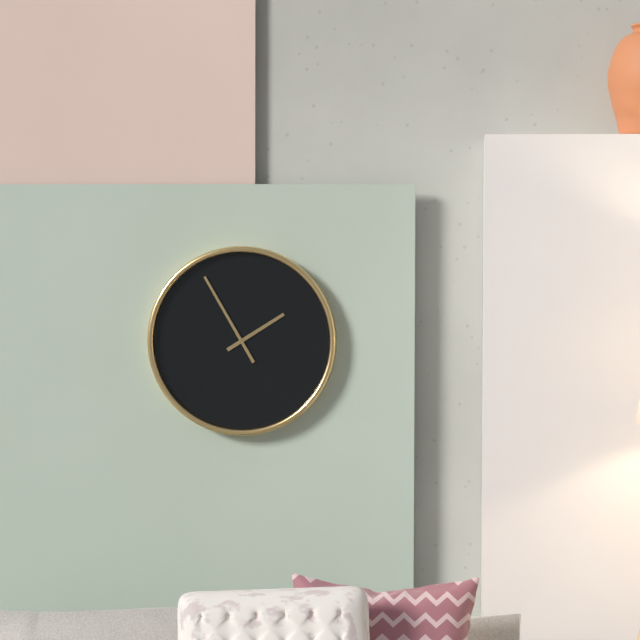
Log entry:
h=1 m=55
